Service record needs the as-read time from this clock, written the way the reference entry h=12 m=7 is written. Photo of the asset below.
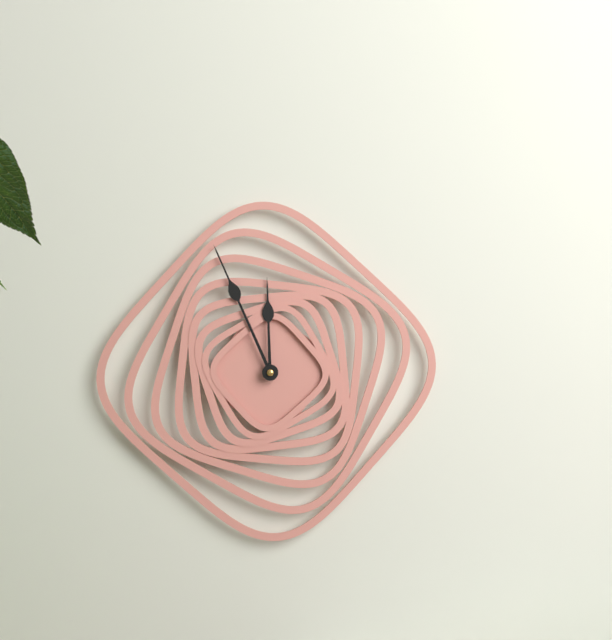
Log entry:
h=11 m=56
